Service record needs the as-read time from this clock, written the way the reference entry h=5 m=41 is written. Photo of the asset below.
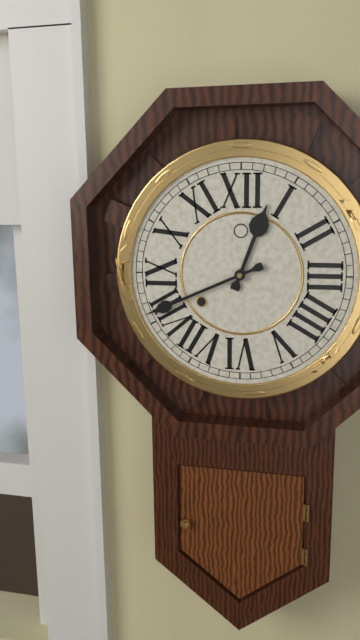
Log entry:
h=12 m=41
